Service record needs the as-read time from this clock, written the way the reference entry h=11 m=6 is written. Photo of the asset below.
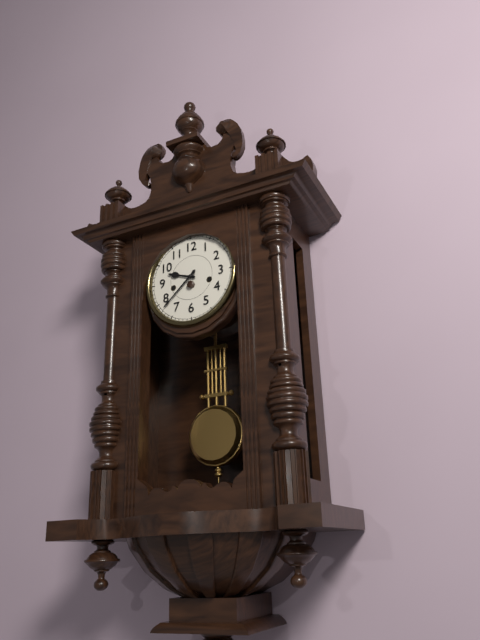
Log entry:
h=9 m=38
